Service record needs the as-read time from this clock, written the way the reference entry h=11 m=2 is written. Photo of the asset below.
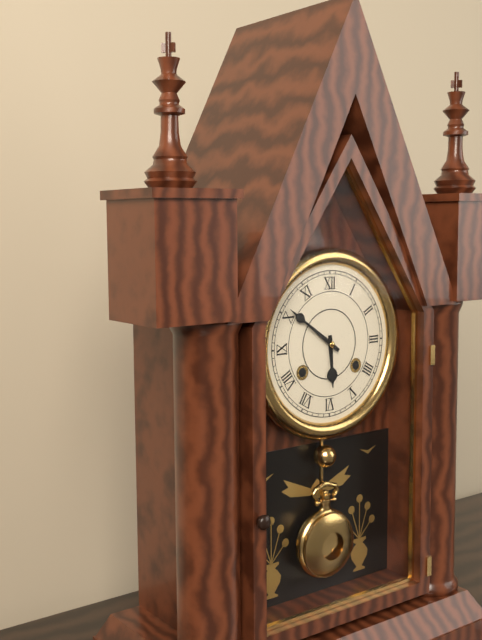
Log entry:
h=5 m=51
